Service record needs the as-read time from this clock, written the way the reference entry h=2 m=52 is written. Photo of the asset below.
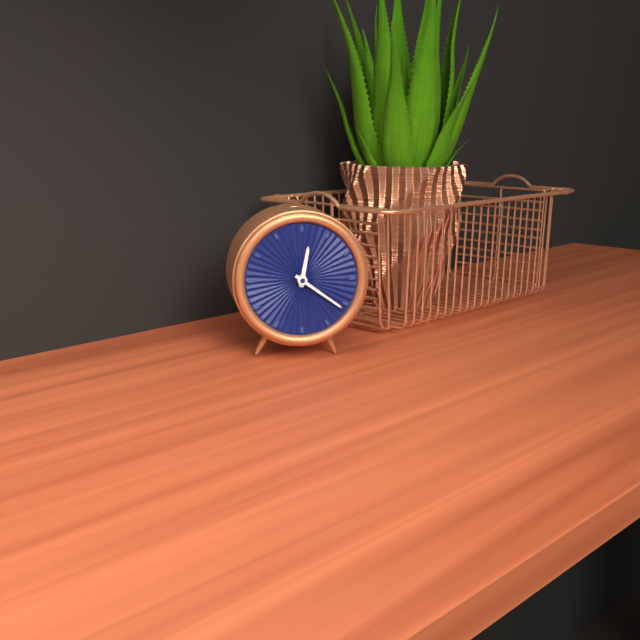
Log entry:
h=12 m=21
